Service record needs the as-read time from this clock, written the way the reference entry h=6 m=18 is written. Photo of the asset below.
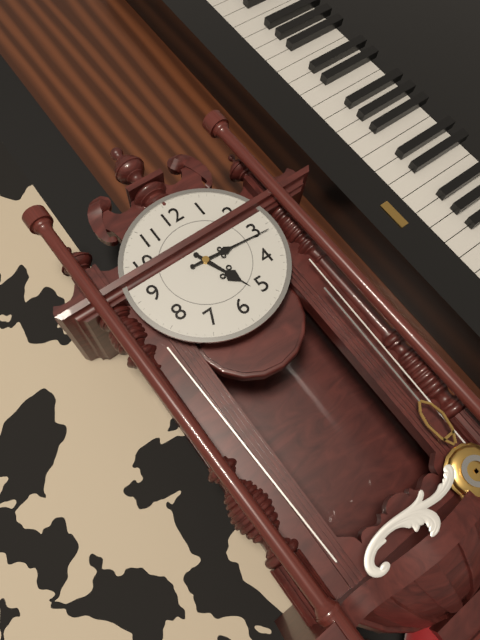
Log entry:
h=5 m=16
